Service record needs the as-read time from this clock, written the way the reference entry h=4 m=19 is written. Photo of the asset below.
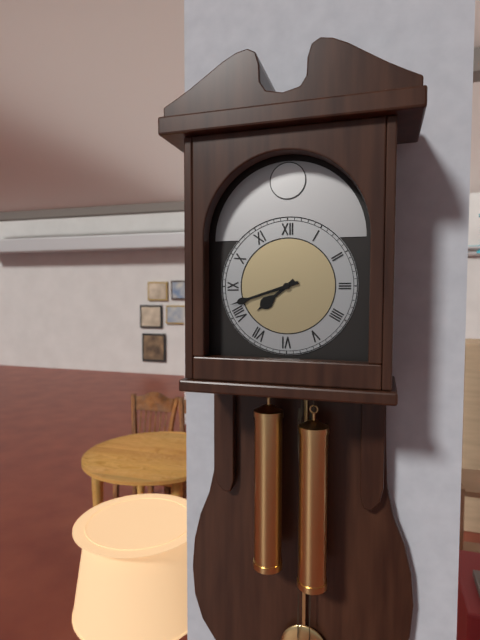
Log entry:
h=7 m=42
